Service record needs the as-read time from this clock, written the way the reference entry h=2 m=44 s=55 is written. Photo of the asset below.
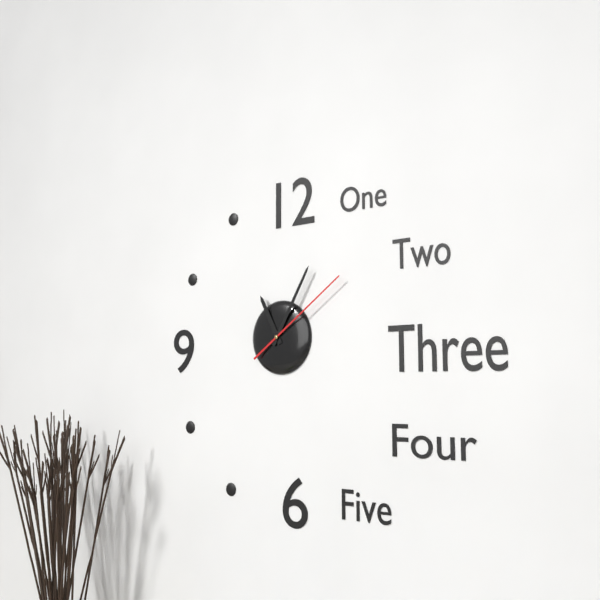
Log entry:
h=11 m=5 s=9
